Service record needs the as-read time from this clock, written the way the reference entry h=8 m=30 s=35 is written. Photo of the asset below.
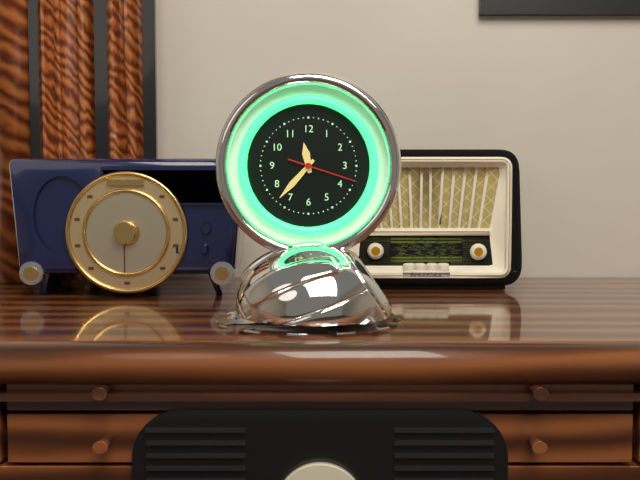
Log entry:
h=11 m=37 s=18
